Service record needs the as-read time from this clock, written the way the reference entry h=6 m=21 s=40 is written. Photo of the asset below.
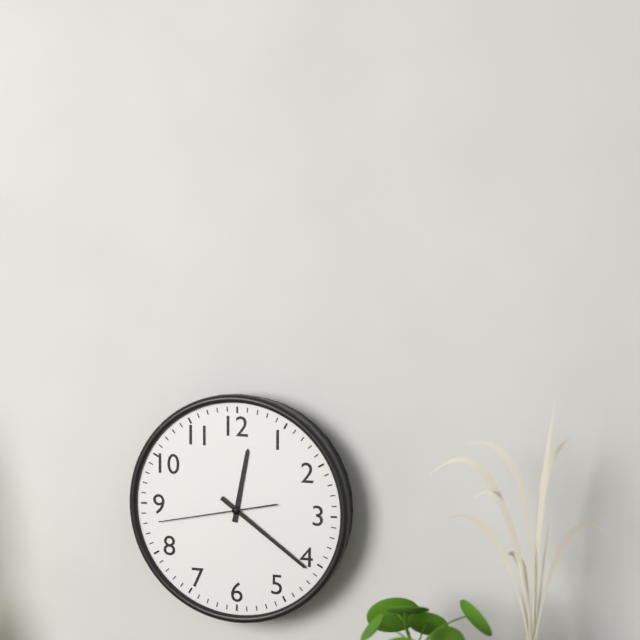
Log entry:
h=12 m=21 s=43
